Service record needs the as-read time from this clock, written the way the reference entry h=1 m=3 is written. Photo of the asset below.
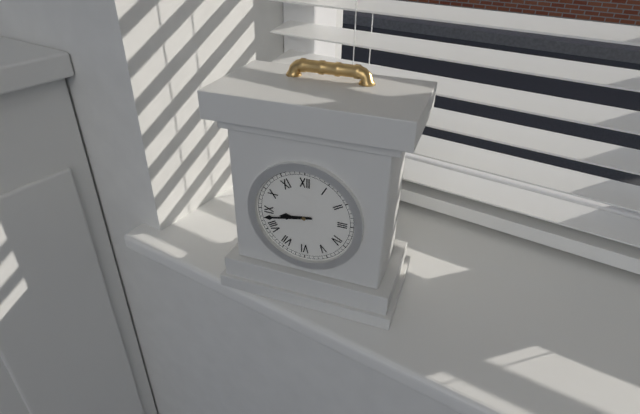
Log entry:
h=8 m=43
